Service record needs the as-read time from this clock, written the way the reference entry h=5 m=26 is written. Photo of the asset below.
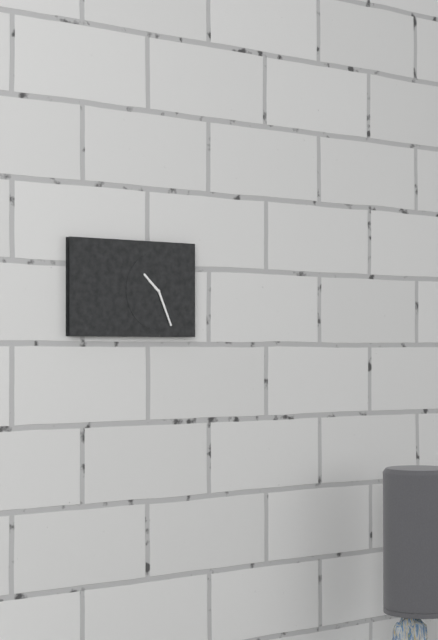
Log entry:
h=10 m=26
